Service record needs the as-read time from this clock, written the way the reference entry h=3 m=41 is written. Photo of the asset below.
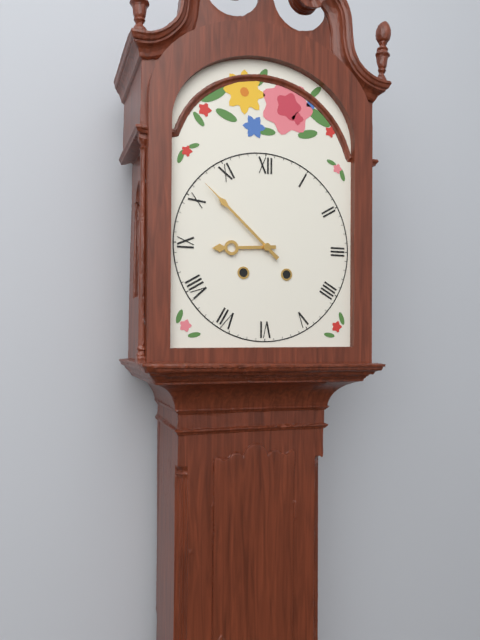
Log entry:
h=8 m=52
